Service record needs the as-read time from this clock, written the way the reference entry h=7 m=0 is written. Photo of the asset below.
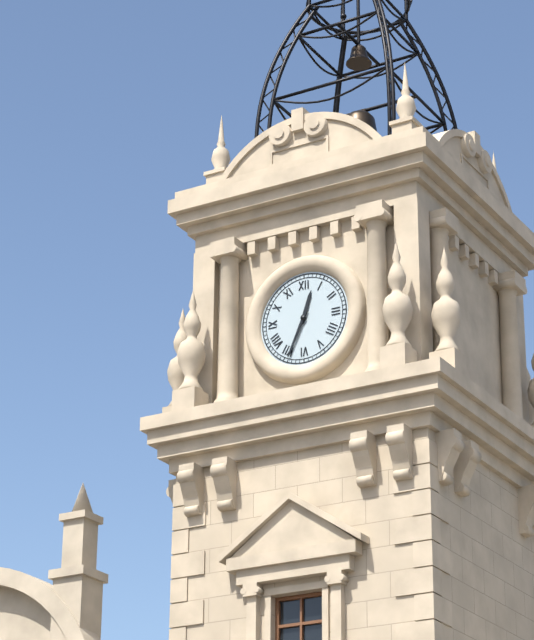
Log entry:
h=12 m=34
